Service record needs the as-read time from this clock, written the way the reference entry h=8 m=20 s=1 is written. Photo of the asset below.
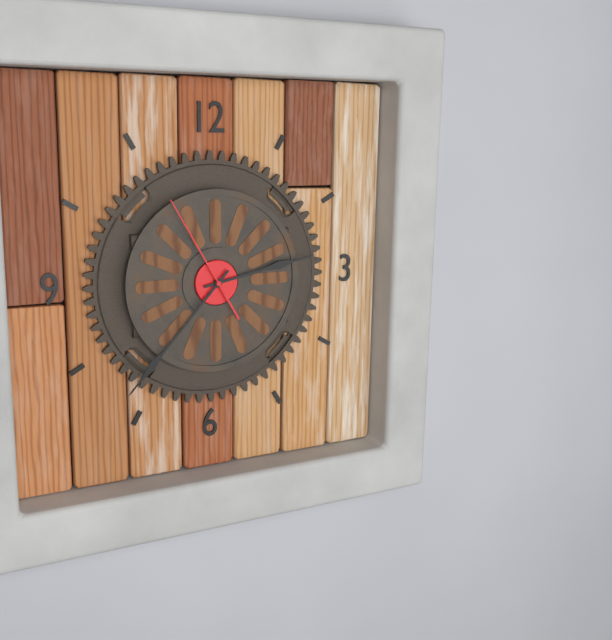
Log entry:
h=2 m=37 s=55
